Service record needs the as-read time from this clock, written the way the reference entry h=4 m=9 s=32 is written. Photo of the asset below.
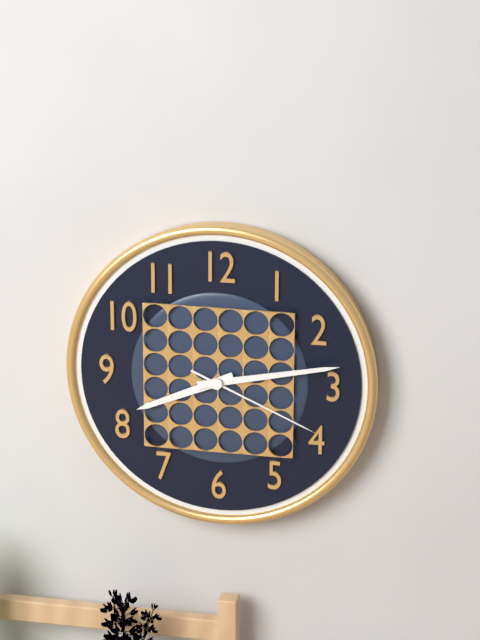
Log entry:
h=8 m=13 s=19
